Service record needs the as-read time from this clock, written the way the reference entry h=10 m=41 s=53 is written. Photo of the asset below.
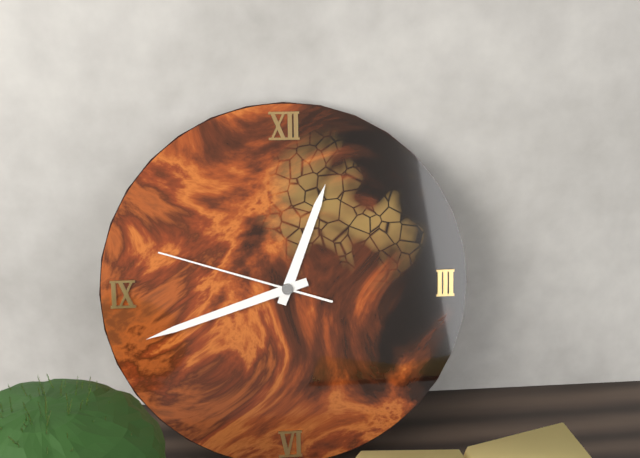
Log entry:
h=12 m=42 s=48
